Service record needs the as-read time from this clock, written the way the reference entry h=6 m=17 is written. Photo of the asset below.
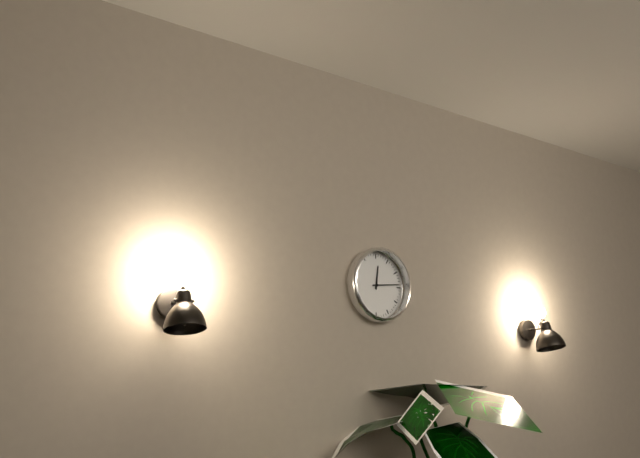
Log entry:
h=12 m=14
